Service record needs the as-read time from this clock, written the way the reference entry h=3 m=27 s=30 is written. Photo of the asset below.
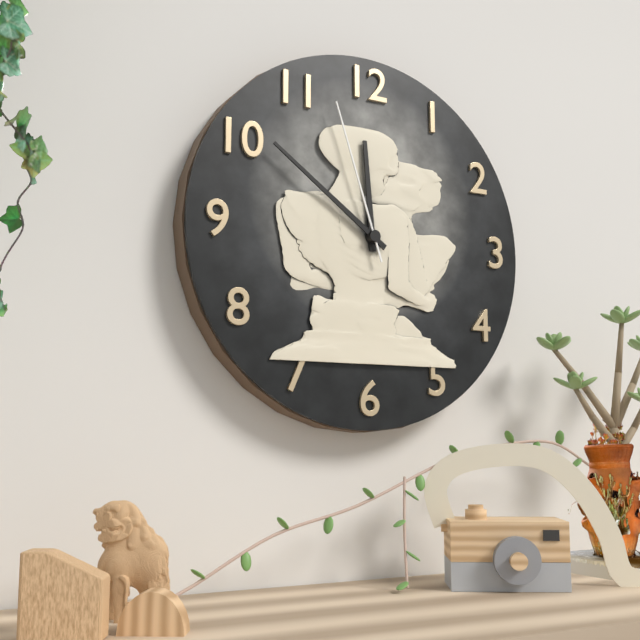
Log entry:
h=11 m=51 s=57
